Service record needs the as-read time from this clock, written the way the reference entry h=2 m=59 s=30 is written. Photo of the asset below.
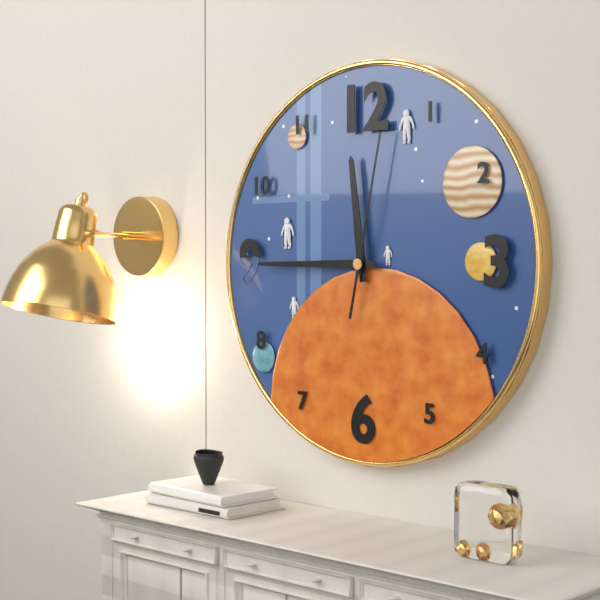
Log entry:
h=11 m=45 s=2
